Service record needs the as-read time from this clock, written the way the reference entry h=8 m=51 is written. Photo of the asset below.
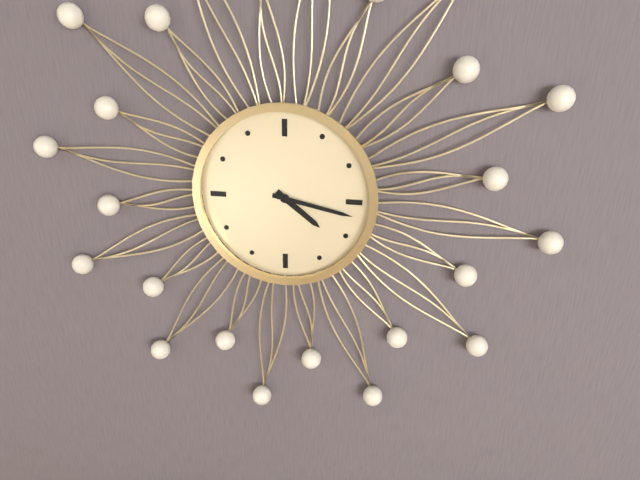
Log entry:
h=4 m=17
